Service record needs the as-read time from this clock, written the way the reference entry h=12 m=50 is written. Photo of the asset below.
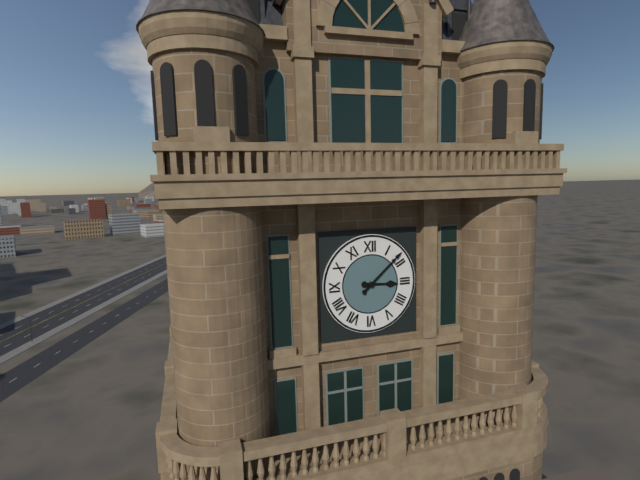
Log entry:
h=3 m=8
